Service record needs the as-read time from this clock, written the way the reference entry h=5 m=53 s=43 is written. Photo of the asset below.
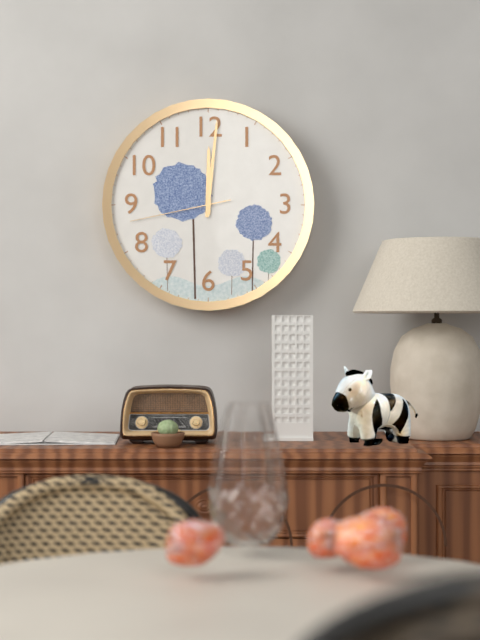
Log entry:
h=12 m=1 s=43
